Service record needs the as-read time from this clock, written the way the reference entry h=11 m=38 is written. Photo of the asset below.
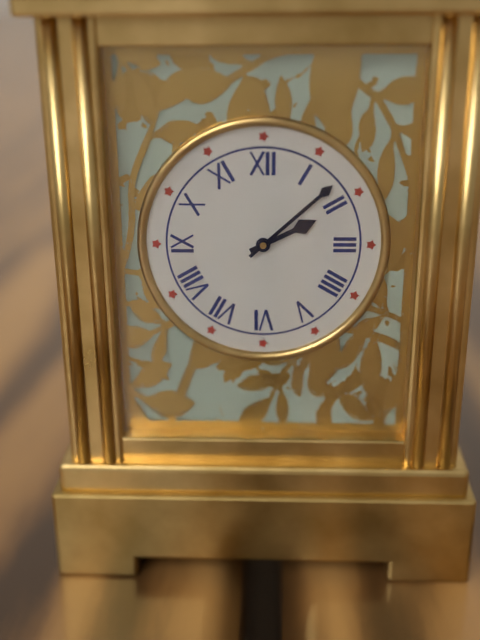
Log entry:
h=2 m=8
